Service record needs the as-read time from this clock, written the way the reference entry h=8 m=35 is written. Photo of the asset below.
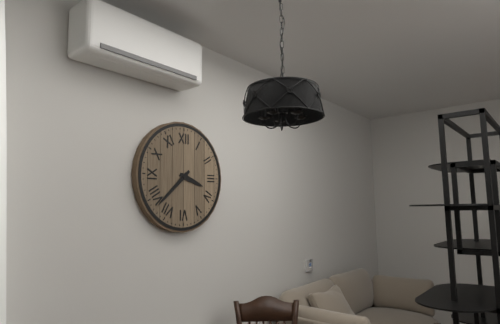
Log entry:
h=3 m=38
